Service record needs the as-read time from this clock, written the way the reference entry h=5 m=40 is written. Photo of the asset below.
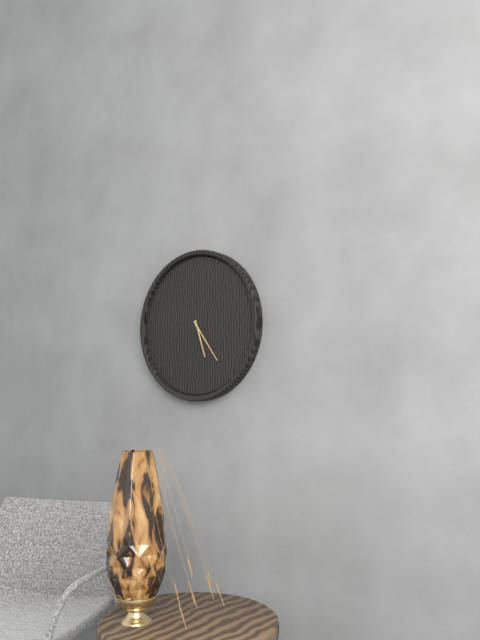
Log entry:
h=5 m=24
